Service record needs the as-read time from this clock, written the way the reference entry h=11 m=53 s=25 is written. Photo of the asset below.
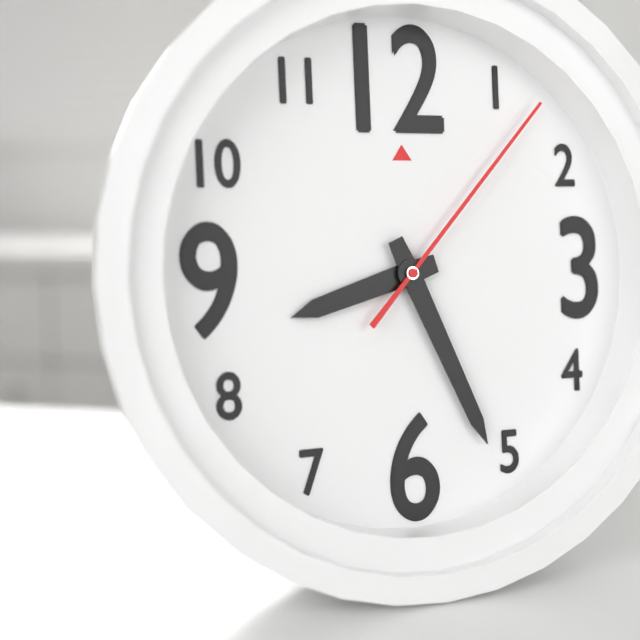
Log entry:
h=8 m=26 s=7
